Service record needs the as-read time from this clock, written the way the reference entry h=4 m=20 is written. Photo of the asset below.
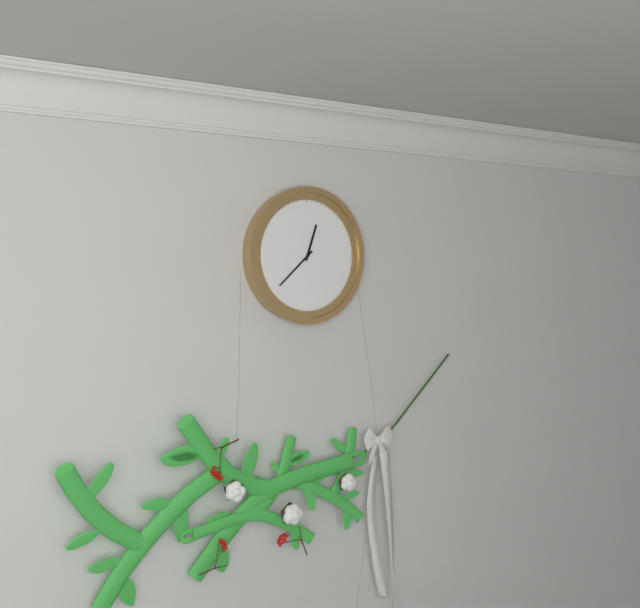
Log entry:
h=12 m=38
